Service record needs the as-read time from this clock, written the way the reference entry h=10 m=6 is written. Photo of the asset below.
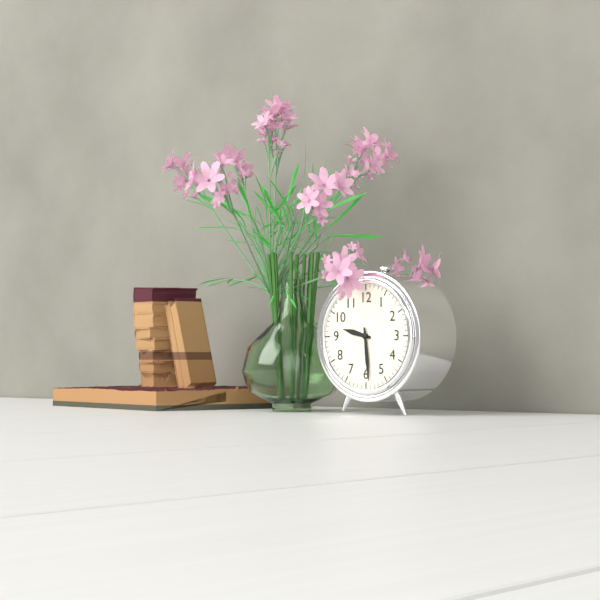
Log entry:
h=9 m=29
